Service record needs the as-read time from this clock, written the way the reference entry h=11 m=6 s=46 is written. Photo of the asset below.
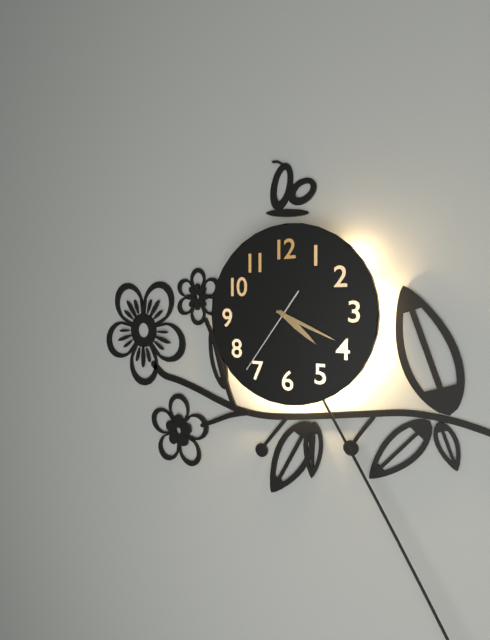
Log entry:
h=4 m=19 s=36
